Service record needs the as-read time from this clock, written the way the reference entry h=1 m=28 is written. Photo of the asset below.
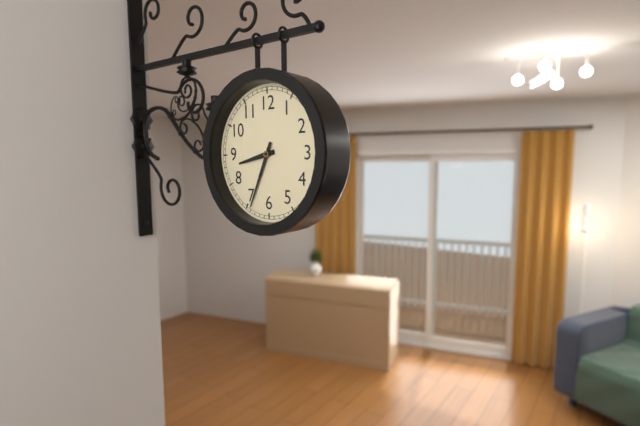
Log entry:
h=8 m=34
